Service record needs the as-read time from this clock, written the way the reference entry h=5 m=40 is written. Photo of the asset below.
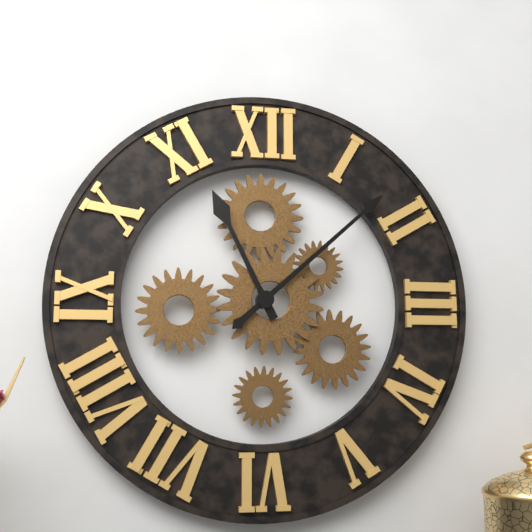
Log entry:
h=11 m=8
